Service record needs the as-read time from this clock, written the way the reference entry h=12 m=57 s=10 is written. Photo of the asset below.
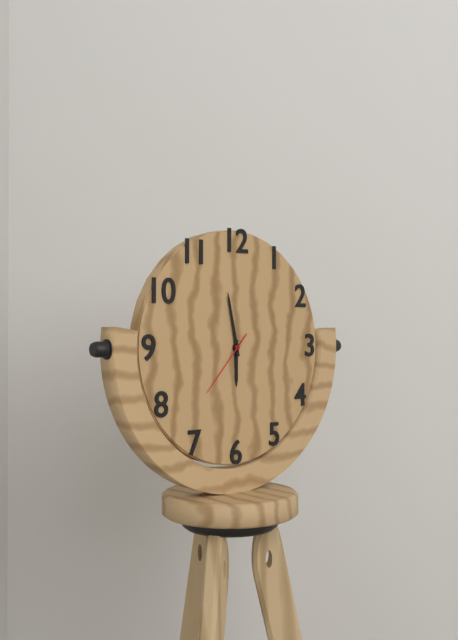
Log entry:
h=5 m=58 s=37
